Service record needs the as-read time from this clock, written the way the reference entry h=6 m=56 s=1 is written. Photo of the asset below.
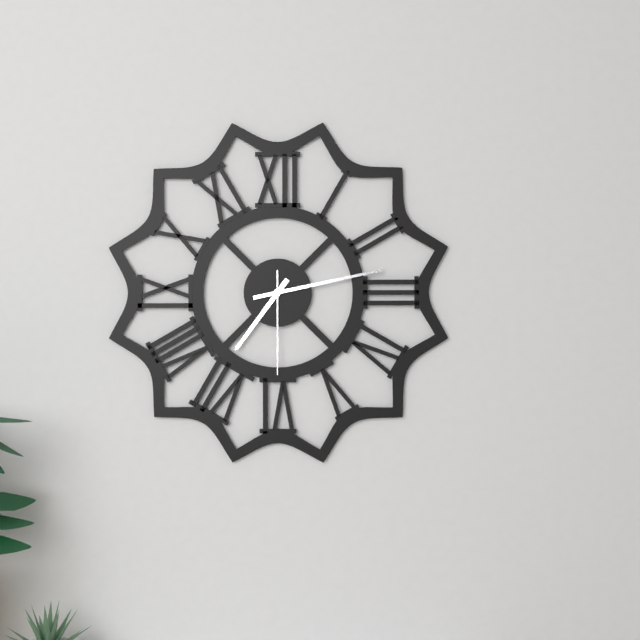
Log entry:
h=7 m=13 s=30
